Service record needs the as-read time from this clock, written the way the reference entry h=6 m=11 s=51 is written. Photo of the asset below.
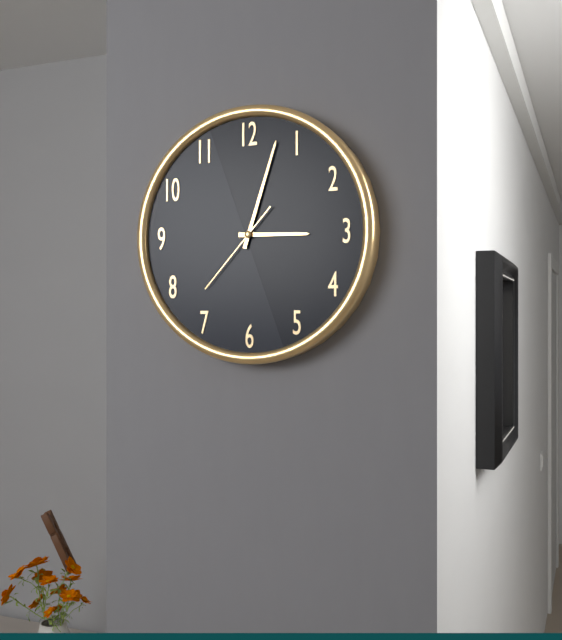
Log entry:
h=3 m=3 s=37
